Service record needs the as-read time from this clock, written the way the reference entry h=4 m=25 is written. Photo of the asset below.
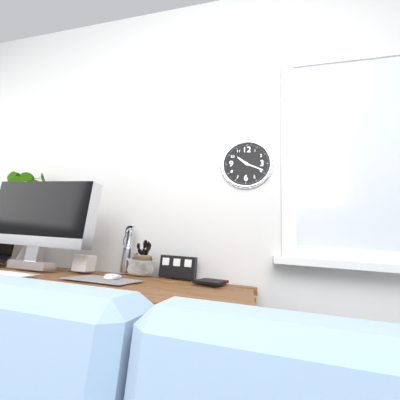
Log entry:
h=10 m=19
